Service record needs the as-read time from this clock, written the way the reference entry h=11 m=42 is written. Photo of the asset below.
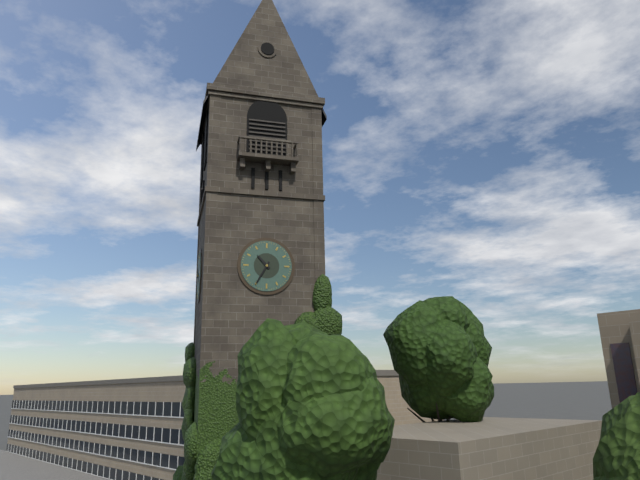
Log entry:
h=10 m=35
